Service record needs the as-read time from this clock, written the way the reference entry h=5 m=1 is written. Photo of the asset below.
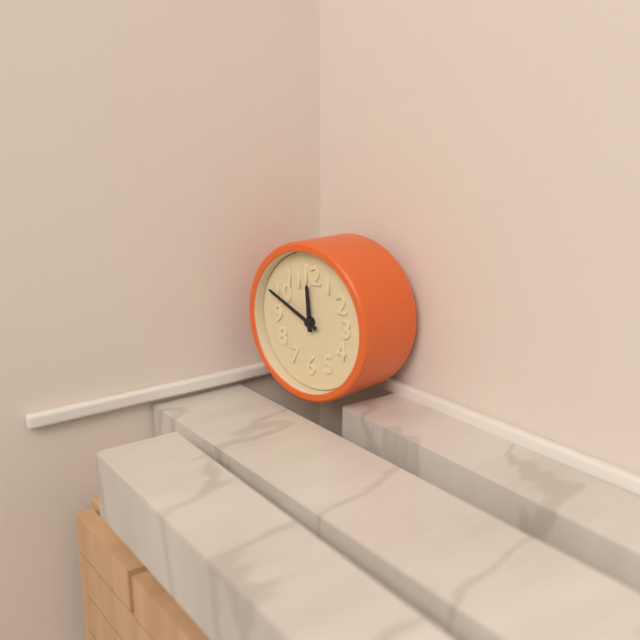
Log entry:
h=11 m=49
